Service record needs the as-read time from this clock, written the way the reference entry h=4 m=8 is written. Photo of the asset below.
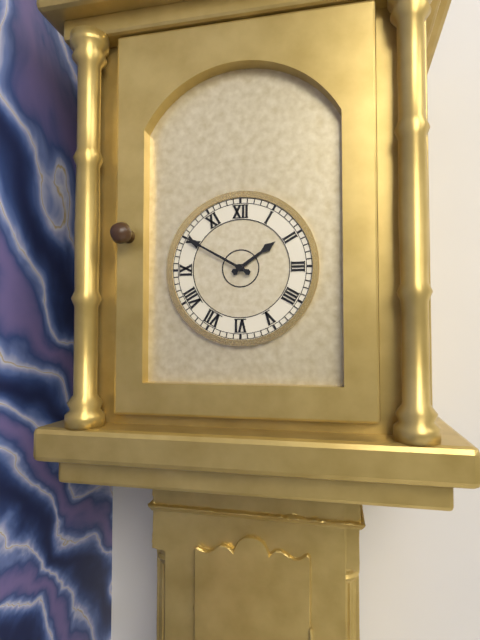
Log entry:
h=1 m=50
